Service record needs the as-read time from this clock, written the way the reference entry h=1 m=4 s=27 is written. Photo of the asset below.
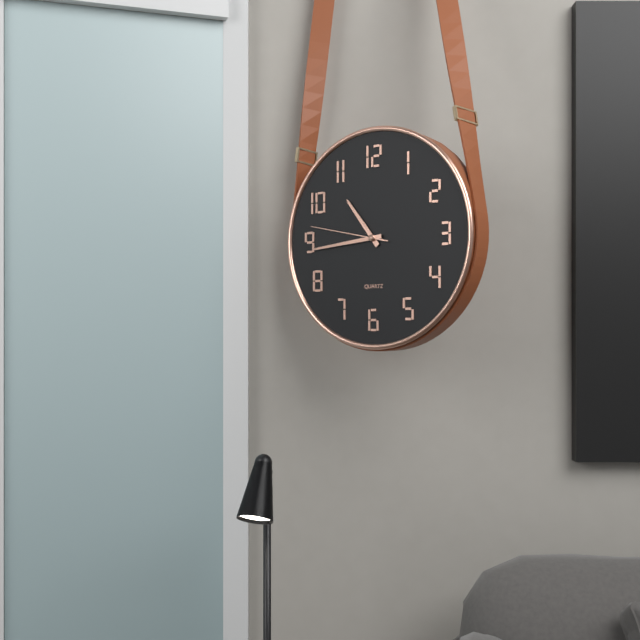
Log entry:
h=10 m=44 s=47
